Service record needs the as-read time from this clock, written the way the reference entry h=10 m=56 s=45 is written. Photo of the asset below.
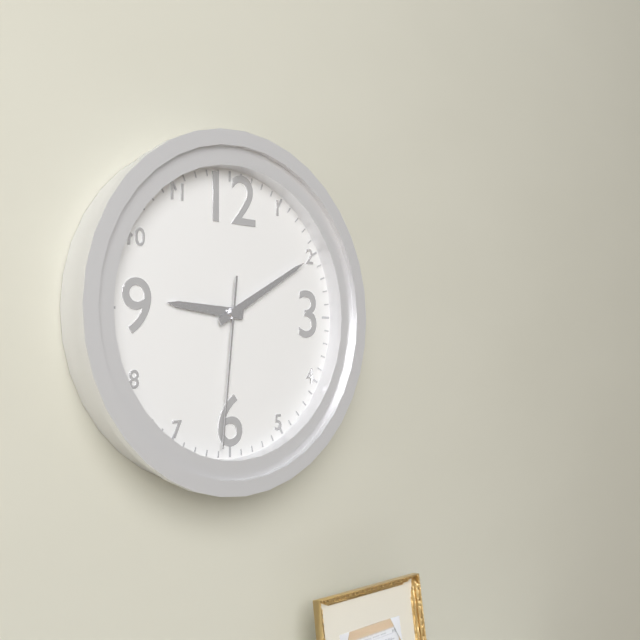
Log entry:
h=9 m=10 s=31
